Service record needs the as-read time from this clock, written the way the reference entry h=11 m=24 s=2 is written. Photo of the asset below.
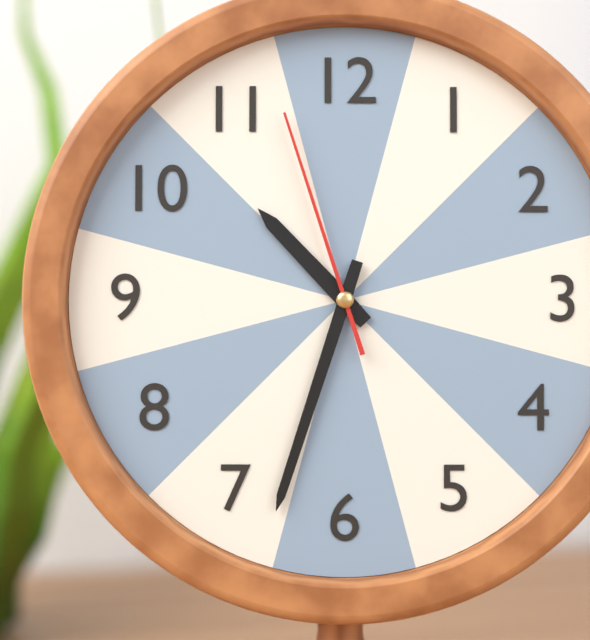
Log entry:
h=10 m=33 s=57
